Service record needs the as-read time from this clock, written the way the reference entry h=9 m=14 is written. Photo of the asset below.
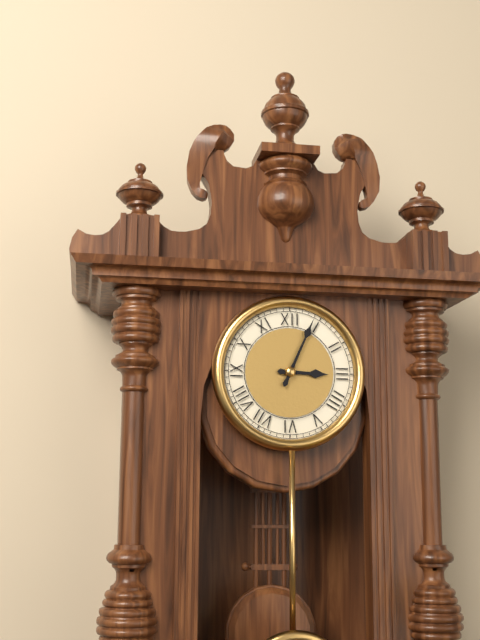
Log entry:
h=3 m=4
